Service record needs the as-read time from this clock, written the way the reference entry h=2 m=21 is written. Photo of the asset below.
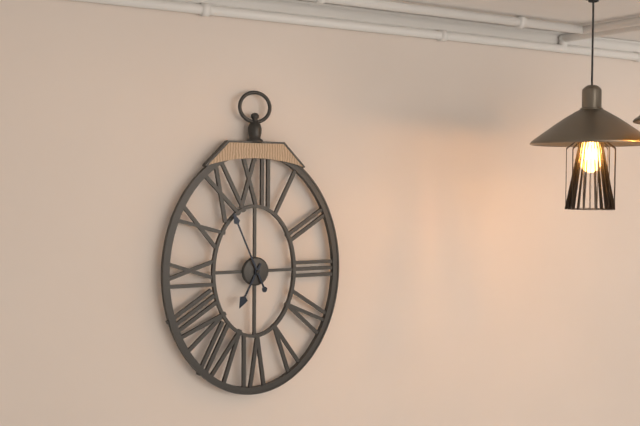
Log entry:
h=6 m=56
